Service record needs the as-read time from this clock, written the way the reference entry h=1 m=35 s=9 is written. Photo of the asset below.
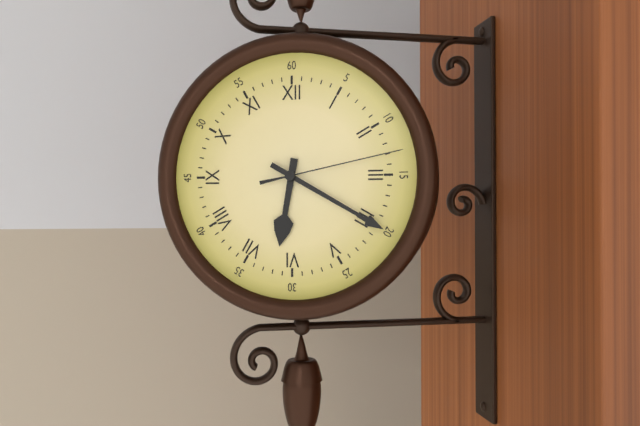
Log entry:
h=6 m=20 s=13
